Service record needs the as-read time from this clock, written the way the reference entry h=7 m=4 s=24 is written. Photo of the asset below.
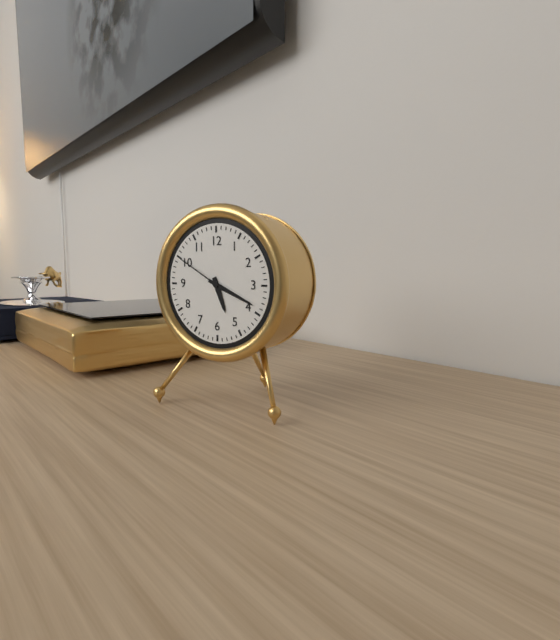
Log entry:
h=5 m=19 s=50
